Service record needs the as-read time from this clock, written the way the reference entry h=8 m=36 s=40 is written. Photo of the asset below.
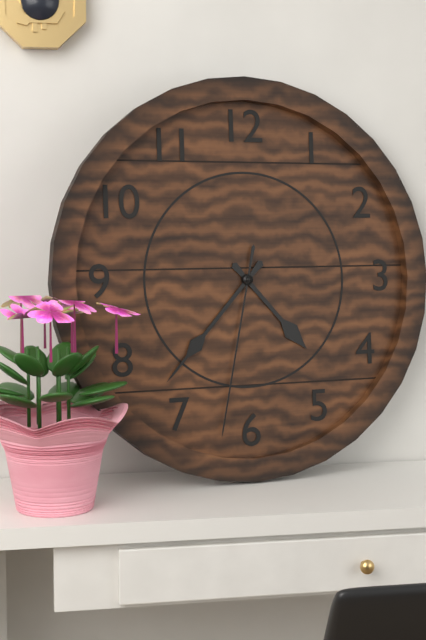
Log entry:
h=4 m=37 s=32
